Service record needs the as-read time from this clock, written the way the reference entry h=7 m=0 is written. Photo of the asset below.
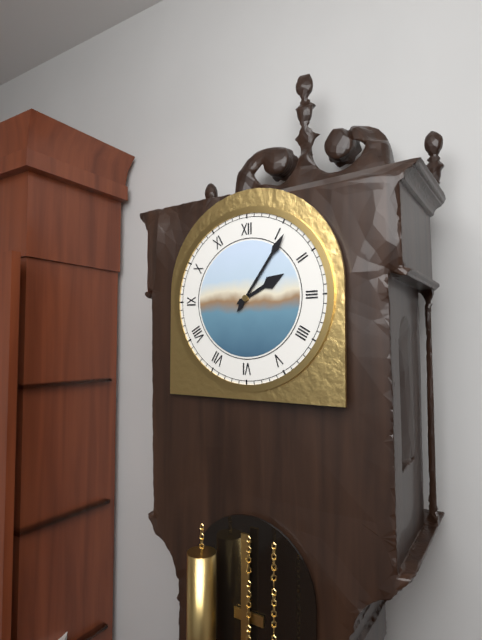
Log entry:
h=2 m=6
